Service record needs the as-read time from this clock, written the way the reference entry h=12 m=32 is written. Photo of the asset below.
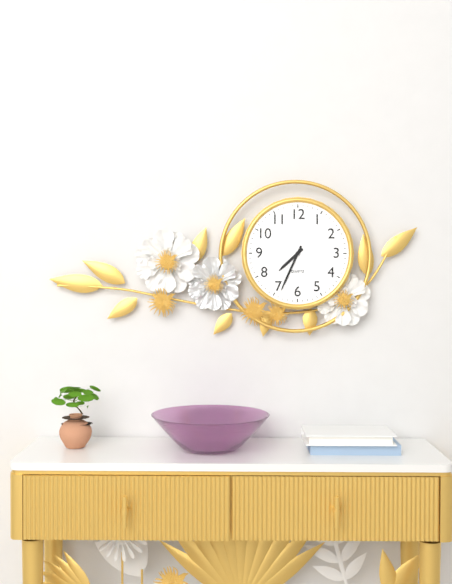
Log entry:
h=7 m=34
